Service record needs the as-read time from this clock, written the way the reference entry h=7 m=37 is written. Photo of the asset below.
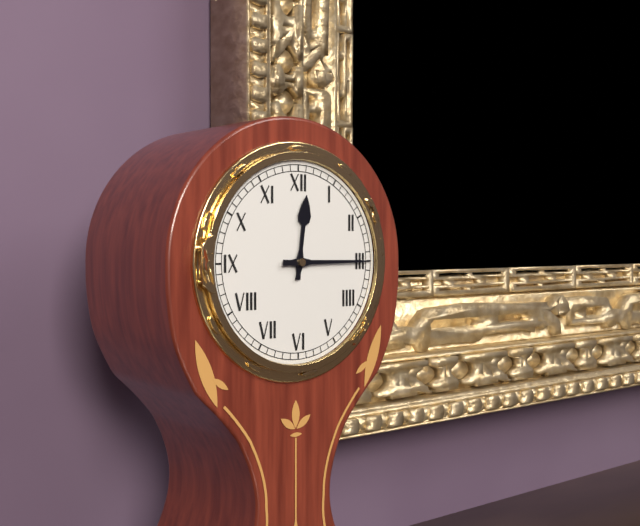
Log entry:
h=12 m=15
